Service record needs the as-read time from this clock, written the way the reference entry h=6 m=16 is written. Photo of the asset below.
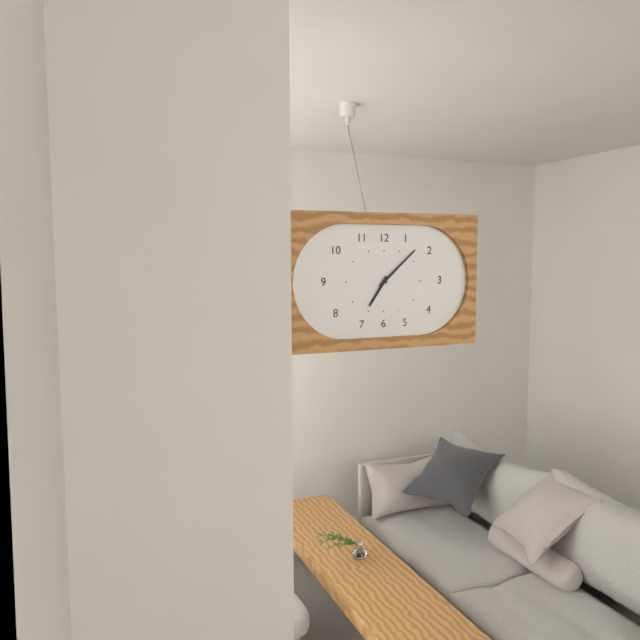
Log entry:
h=7 m=8
